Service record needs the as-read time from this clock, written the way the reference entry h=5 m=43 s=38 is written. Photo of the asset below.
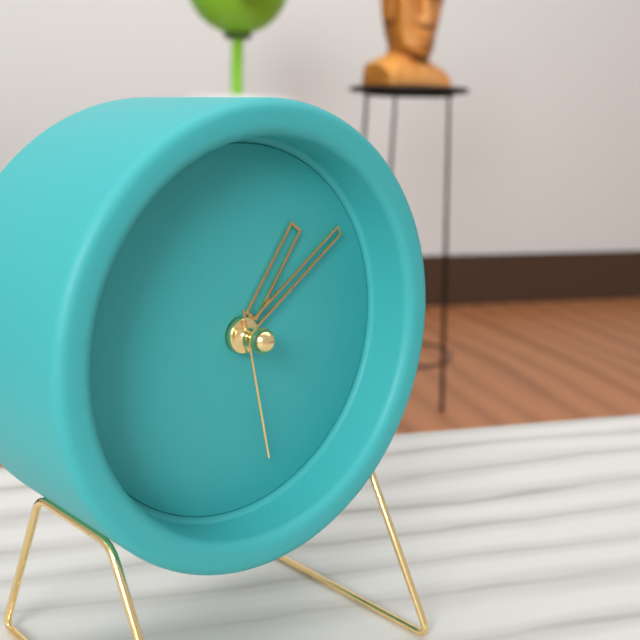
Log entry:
h=1 m=9 s=28
